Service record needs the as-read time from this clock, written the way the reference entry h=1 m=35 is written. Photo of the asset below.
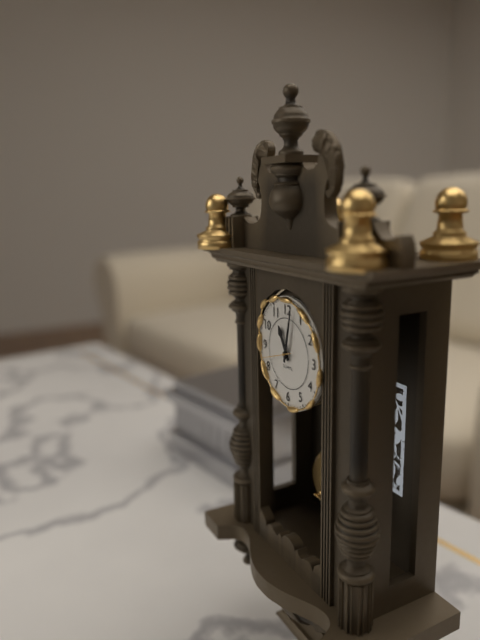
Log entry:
h=11 m=2
